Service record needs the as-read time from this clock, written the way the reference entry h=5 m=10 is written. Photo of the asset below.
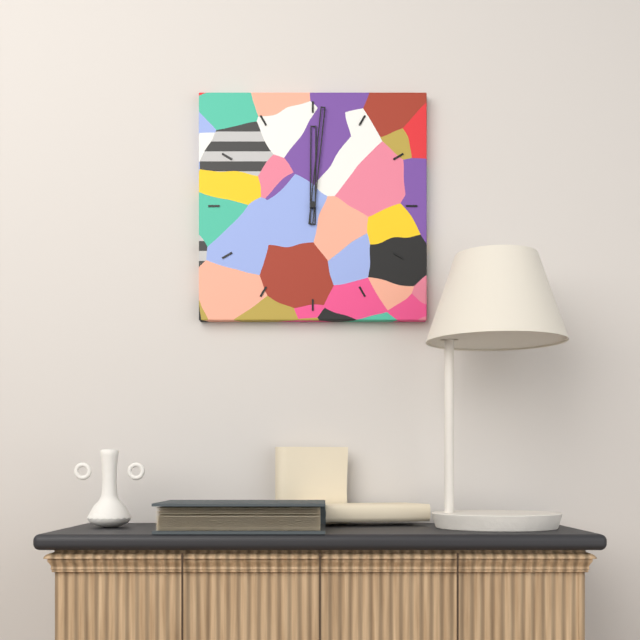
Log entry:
h=12 m=1
